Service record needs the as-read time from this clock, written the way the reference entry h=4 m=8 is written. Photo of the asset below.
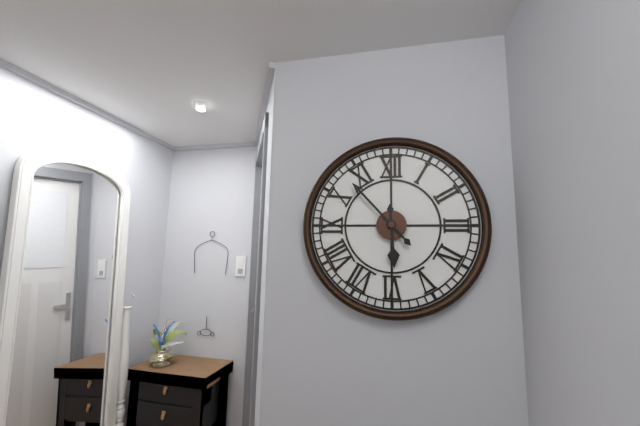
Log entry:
h=5 m=53
